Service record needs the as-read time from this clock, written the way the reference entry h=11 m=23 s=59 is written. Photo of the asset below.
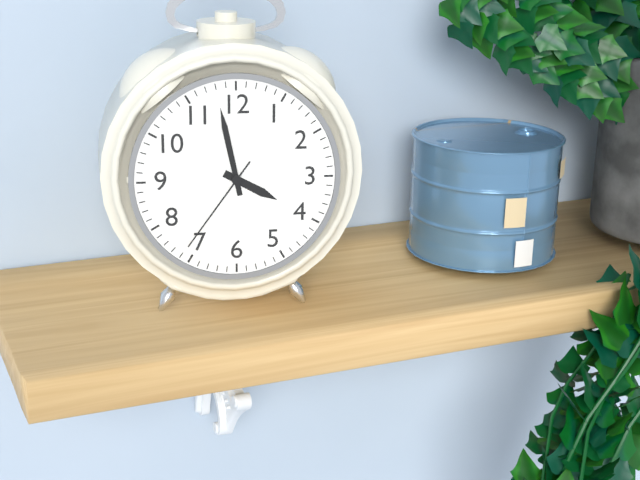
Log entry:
h=3 m=58 s=36
